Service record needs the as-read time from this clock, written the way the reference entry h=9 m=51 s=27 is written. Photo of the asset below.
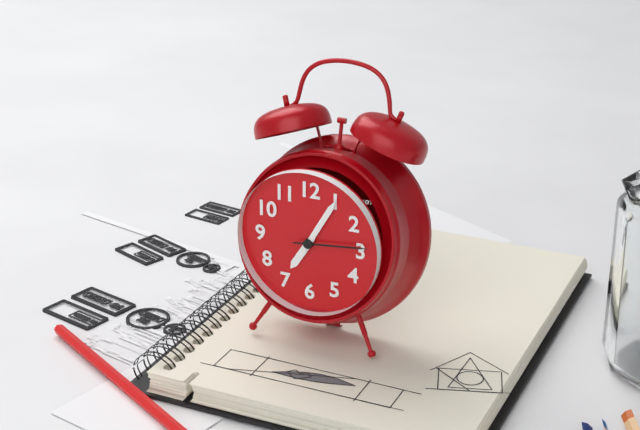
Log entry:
h=7 m=5 s=14
